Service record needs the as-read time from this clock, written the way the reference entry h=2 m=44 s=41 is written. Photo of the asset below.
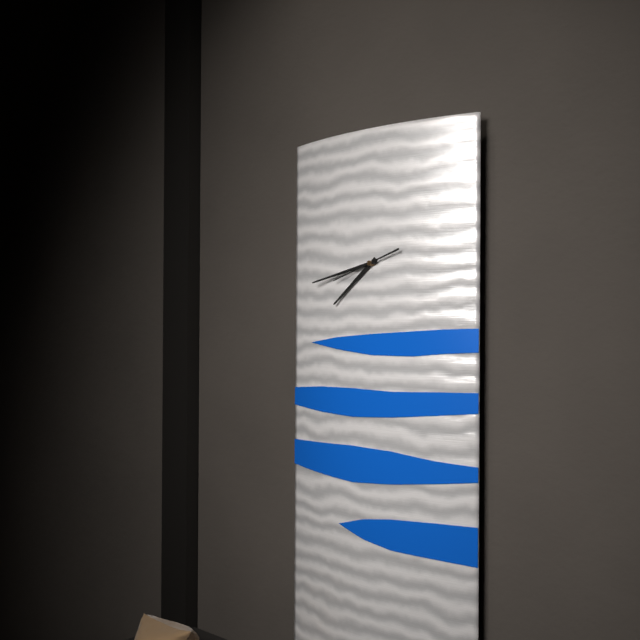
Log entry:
h=7 m=43 s=42
